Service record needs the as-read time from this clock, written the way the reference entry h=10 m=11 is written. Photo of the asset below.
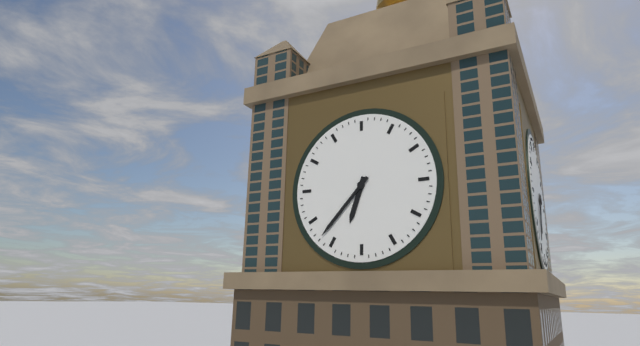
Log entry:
h=6 m=37
